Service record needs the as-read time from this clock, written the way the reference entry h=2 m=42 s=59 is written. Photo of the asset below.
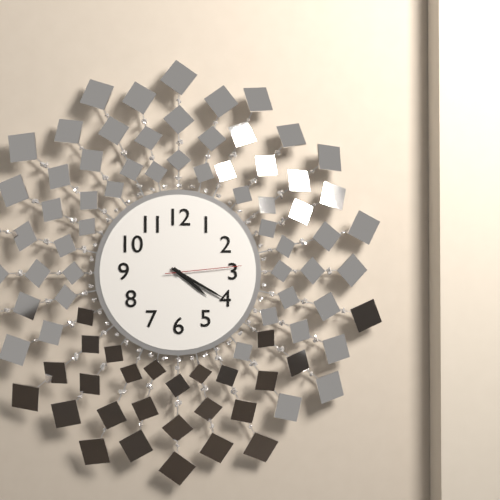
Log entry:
h=4 m=20 s=14
